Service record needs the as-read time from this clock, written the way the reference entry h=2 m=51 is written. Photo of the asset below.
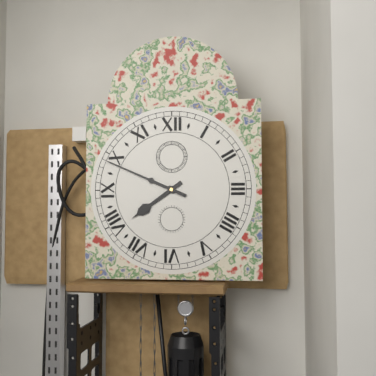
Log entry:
h=7 m=49
